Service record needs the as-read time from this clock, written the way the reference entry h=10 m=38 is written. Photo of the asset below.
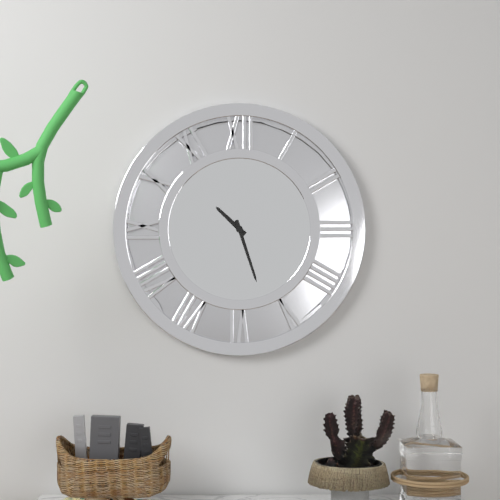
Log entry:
h=10 m=27
